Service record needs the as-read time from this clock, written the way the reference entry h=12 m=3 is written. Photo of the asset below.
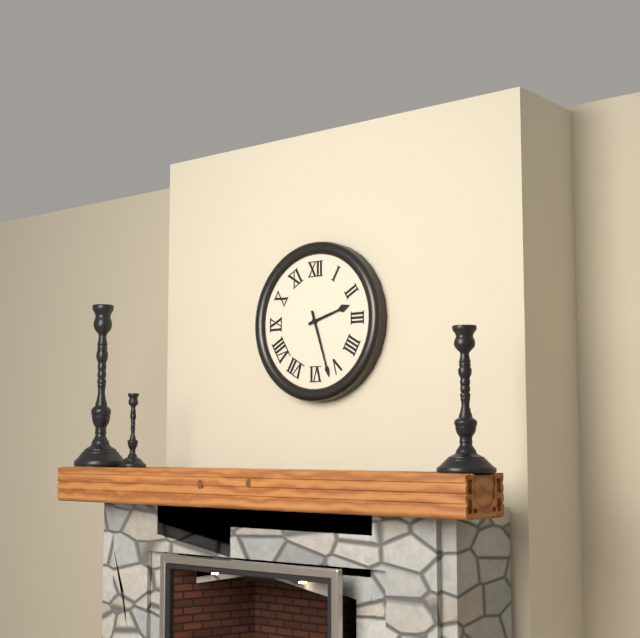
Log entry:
h=2 m=27
